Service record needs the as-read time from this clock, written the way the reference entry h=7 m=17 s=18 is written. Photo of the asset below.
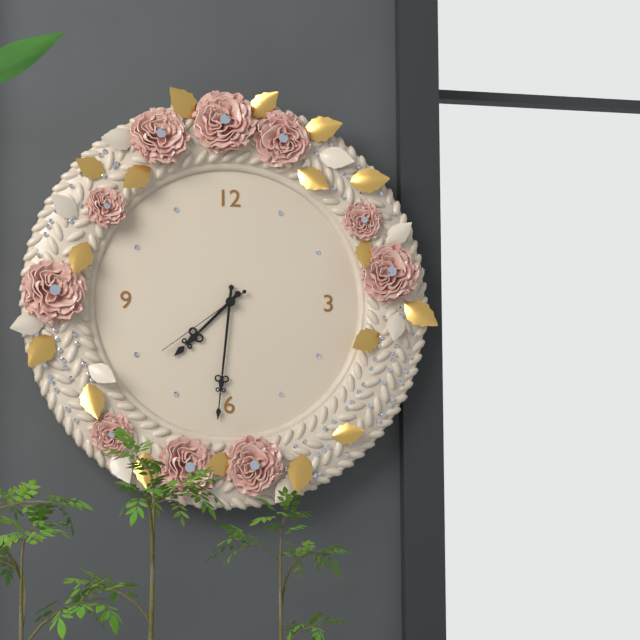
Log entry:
h=7 m=31 s=39
